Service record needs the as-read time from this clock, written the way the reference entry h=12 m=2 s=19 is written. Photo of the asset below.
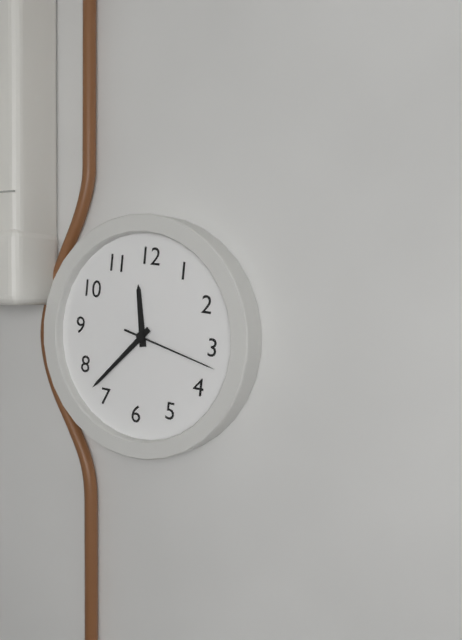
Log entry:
h=11 m=37 s=17
